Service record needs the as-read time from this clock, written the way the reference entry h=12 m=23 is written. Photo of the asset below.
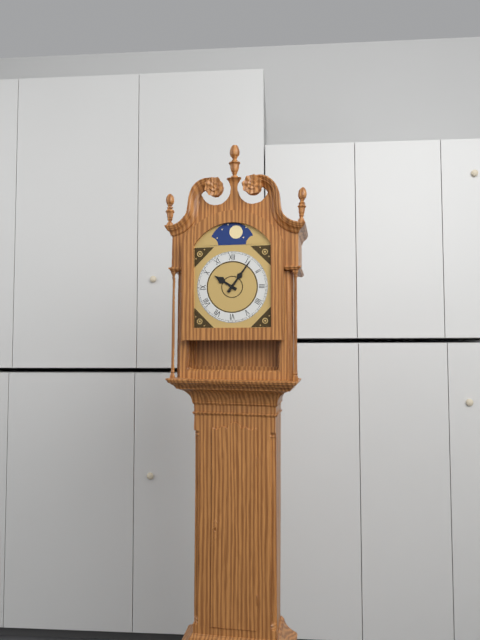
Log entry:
h=10 m=6
